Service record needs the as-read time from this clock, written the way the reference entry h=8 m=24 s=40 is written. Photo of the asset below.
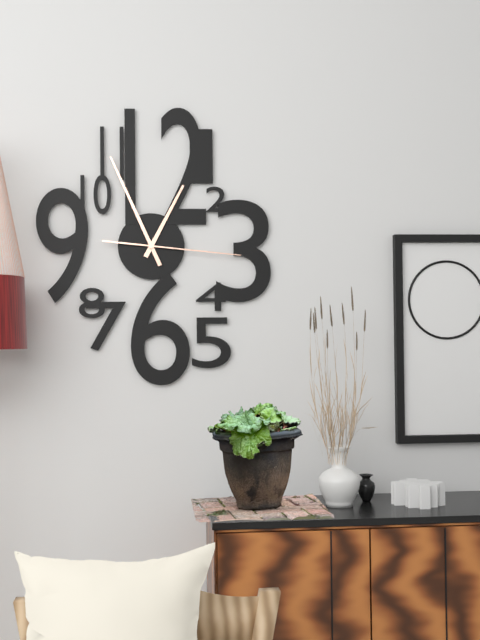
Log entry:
h=12 m=56 s=16
